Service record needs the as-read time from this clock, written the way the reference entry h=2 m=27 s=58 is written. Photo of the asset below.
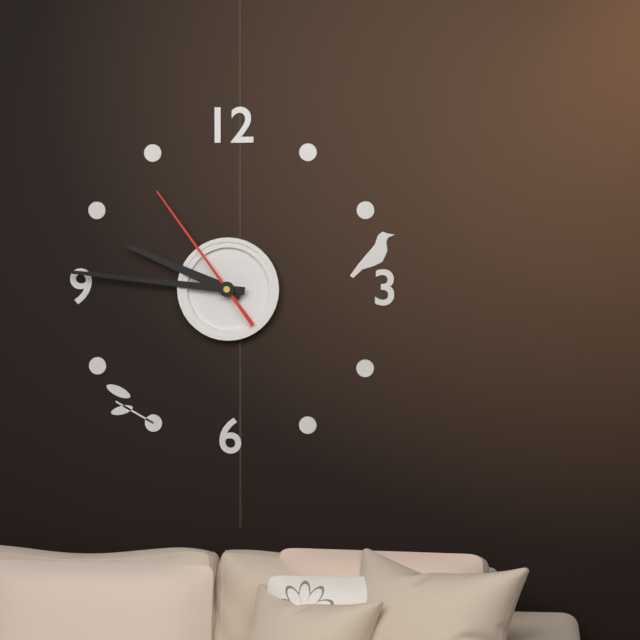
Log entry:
h=9 m=46 s=54
